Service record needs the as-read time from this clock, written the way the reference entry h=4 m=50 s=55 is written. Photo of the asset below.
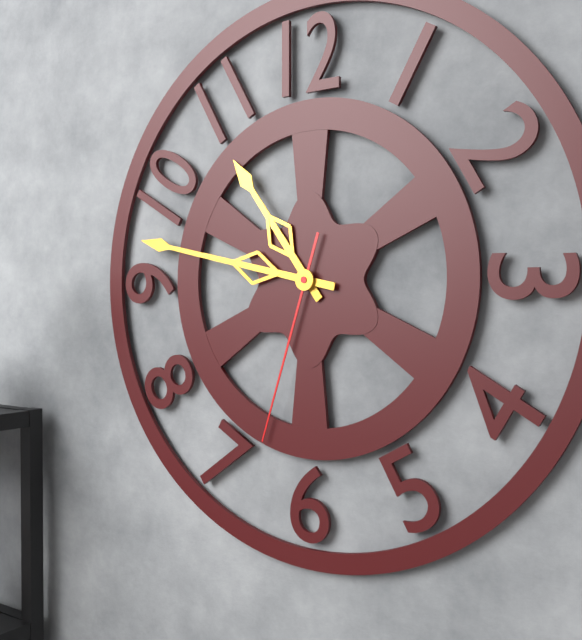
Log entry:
h=10 m=47 s=33
